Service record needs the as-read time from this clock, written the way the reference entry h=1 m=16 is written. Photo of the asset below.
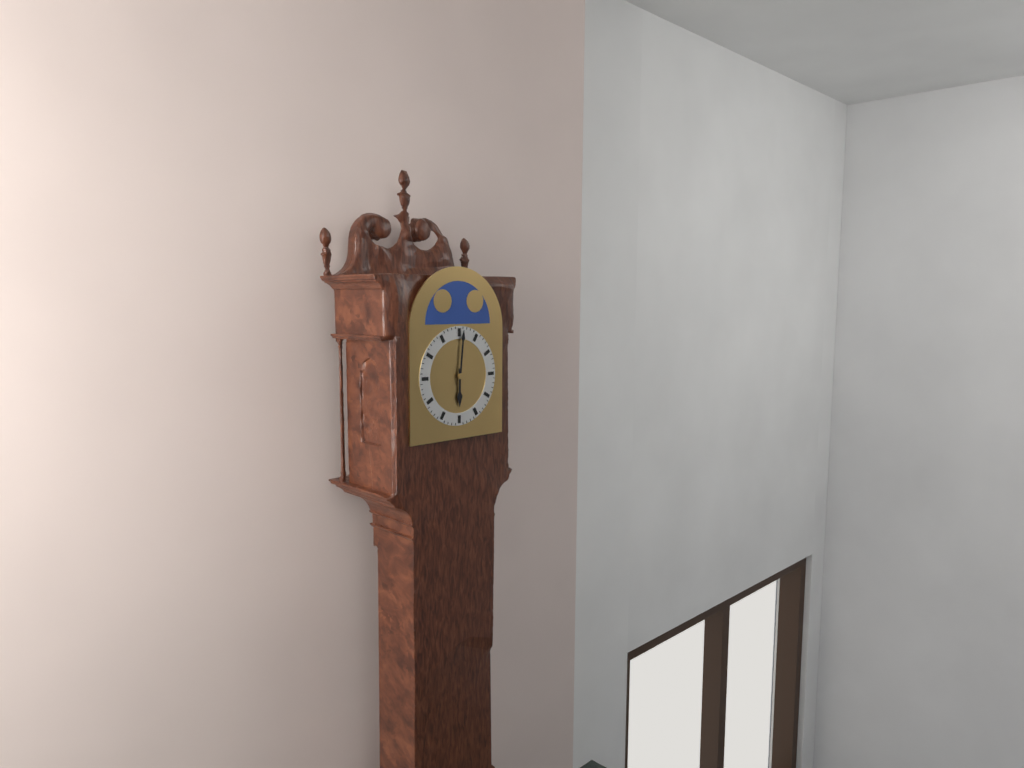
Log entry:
h=6 m=1
